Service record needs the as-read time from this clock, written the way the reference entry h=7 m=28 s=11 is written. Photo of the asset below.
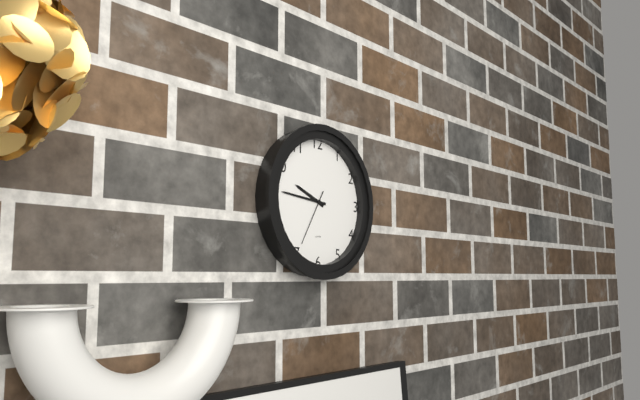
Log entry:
h=9 m=46 s=35
